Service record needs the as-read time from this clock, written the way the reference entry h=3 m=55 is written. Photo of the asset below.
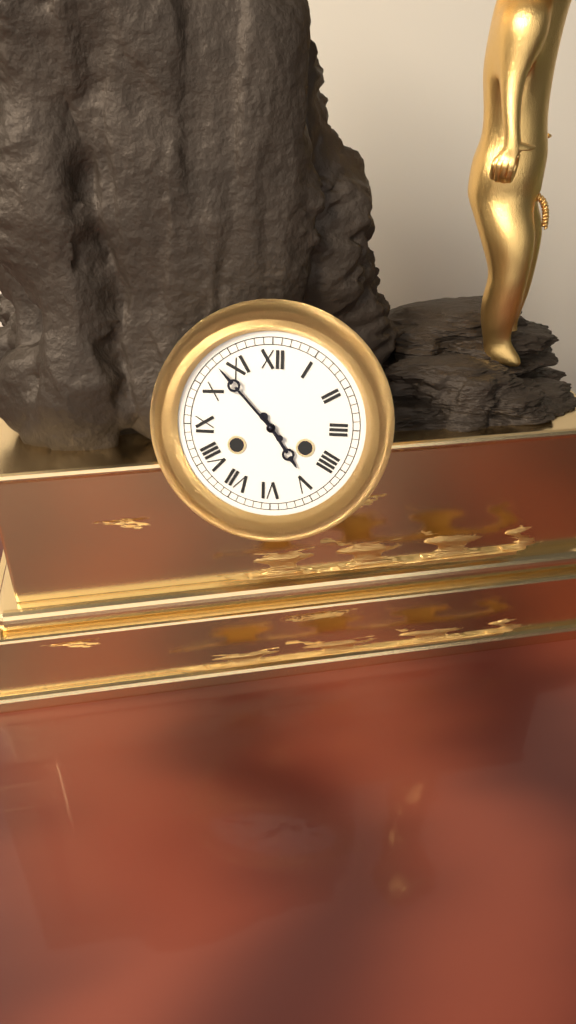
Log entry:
h=4 m=53
